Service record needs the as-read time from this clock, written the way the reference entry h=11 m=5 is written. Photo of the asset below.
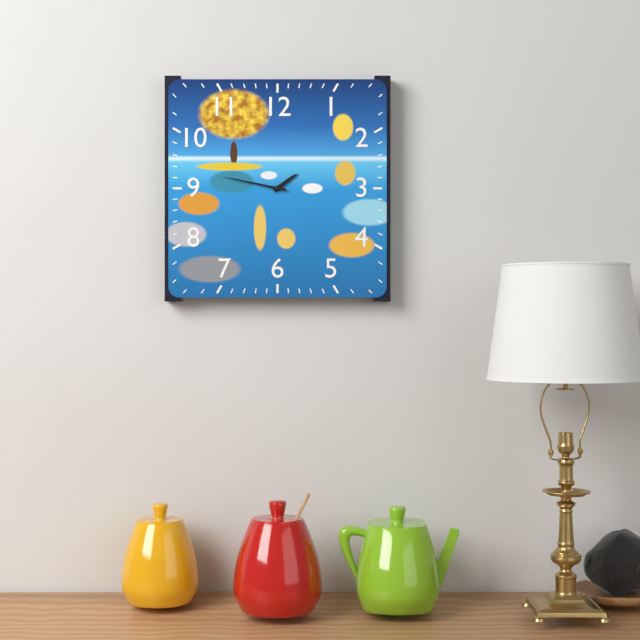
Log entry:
h=1 m=47
